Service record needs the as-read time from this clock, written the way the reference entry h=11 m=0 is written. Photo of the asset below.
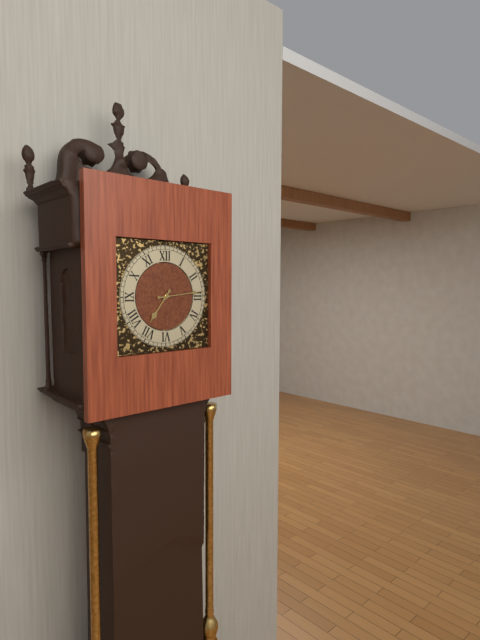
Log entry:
h=7 m=14
